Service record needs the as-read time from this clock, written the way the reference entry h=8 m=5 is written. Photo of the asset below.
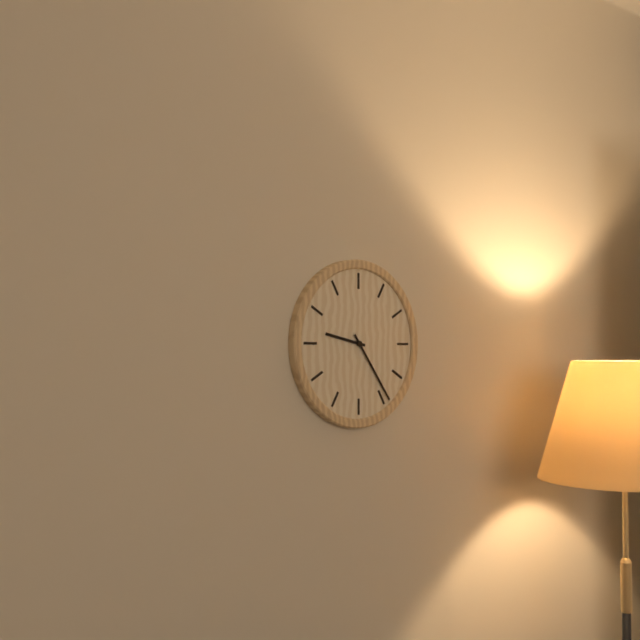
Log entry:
h=9 m=24
